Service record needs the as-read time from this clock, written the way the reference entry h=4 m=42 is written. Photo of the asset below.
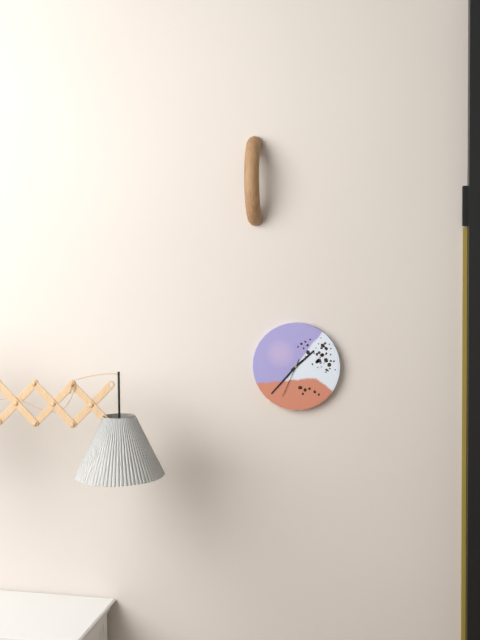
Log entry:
h=1 m=37
